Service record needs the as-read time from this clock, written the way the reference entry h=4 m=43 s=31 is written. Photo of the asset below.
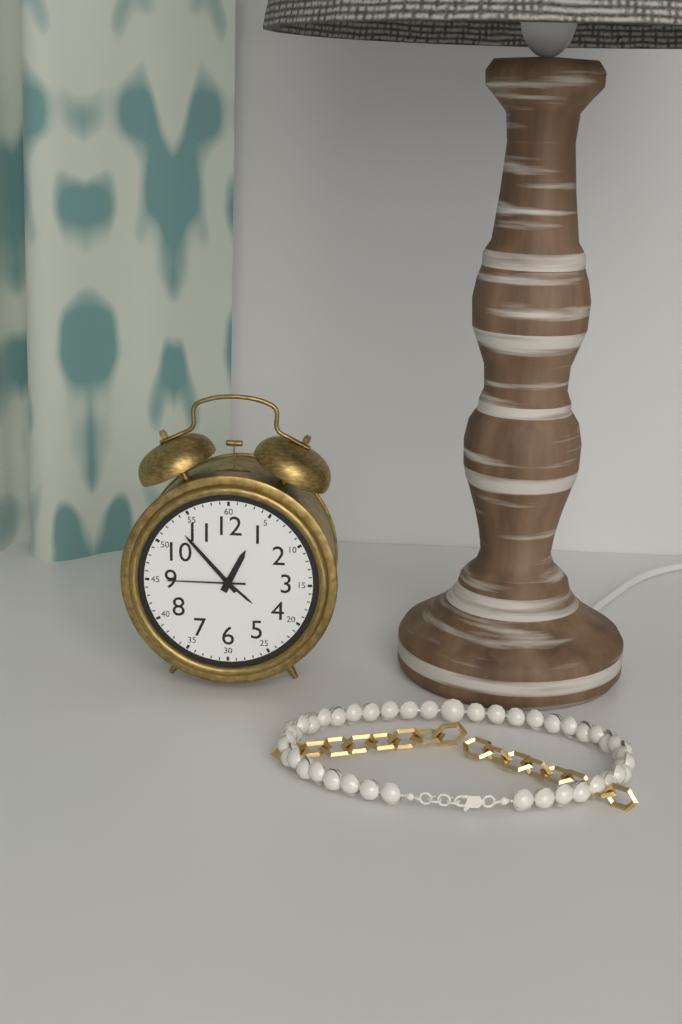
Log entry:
h=12 m=53 s=45
